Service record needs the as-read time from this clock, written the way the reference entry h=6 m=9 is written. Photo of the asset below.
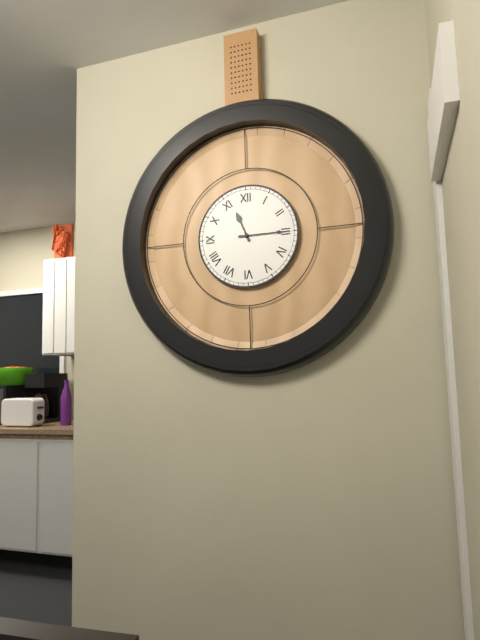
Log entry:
h=11 m=15
